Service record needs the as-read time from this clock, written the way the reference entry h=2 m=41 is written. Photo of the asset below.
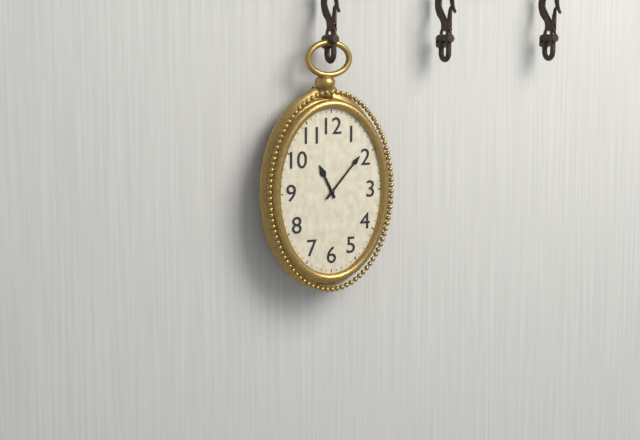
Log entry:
h=11 m=7
